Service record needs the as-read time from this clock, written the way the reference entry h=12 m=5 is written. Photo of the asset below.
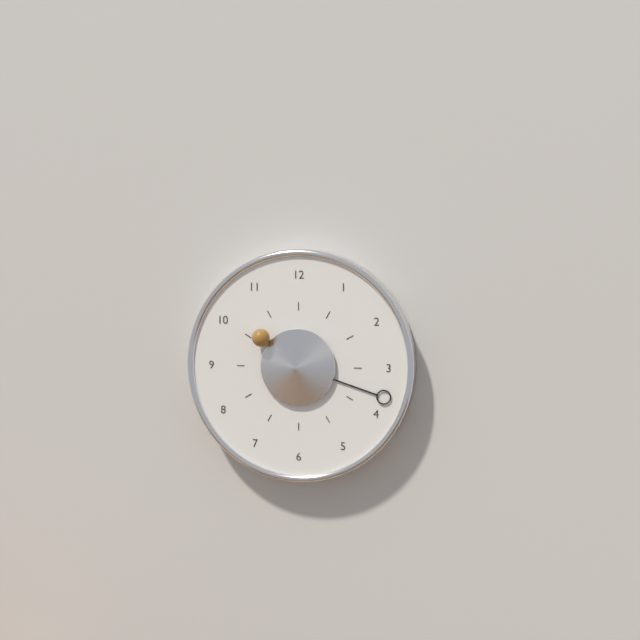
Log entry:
h=10 m=18
